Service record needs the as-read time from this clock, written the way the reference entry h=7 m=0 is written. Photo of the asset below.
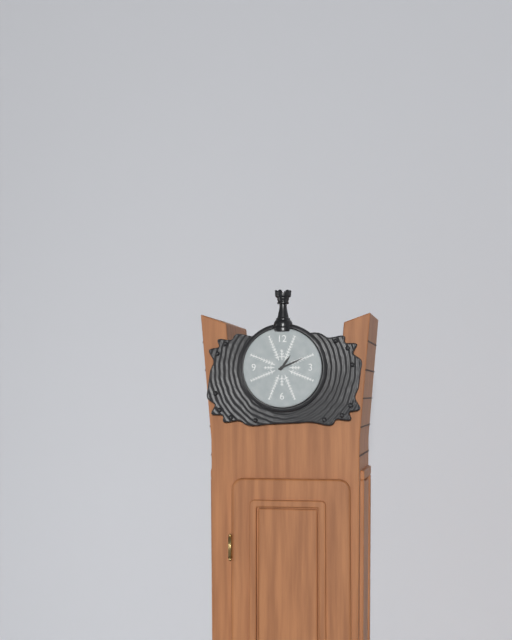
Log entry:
h=1 m=11
